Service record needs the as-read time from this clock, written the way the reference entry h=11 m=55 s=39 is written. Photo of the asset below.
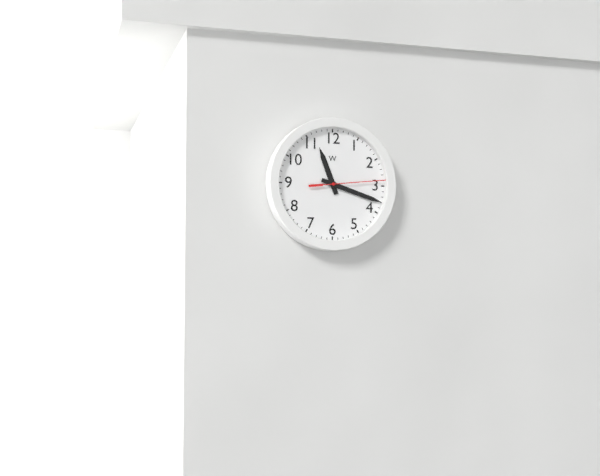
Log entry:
h=11 m=18 s=14
